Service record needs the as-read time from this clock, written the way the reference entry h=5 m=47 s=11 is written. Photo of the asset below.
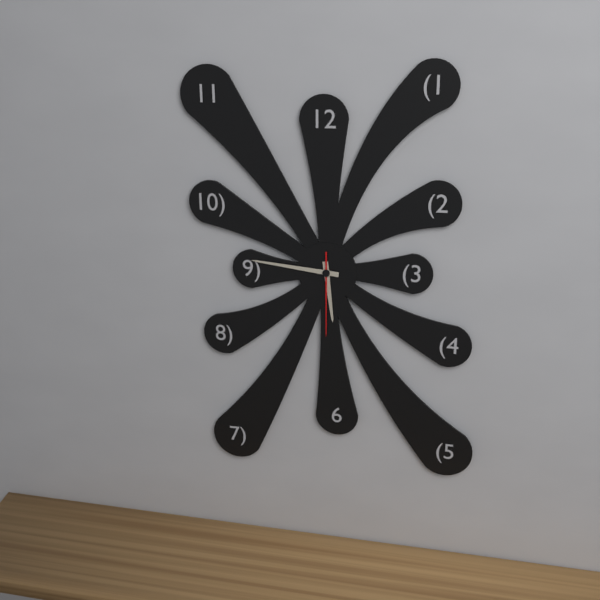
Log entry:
h=5 m=46 s=30
